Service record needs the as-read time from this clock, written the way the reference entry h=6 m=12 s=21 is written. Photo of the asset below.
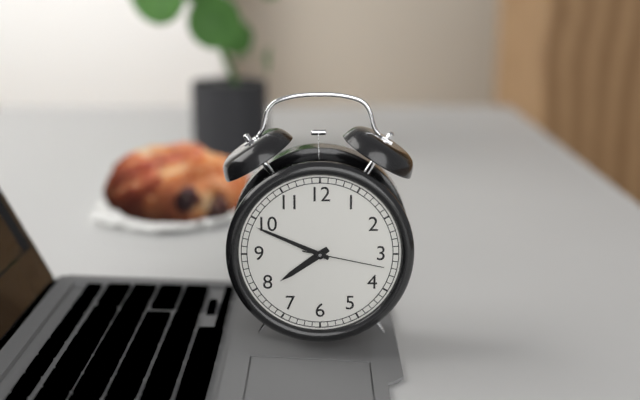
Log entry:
h=7 m=49 s=17
